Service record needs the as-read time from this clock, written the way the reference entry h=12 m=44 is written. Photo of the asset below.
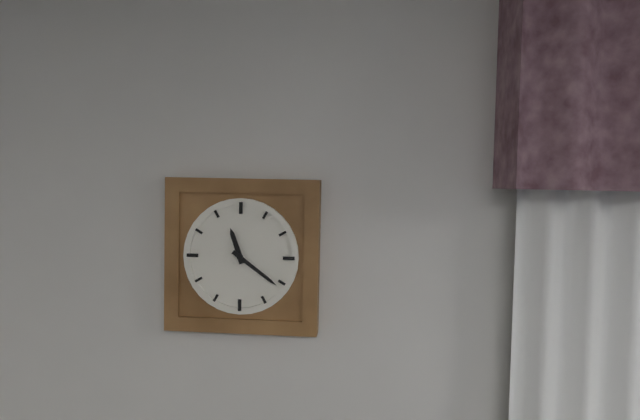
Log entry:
h=11 m=21
